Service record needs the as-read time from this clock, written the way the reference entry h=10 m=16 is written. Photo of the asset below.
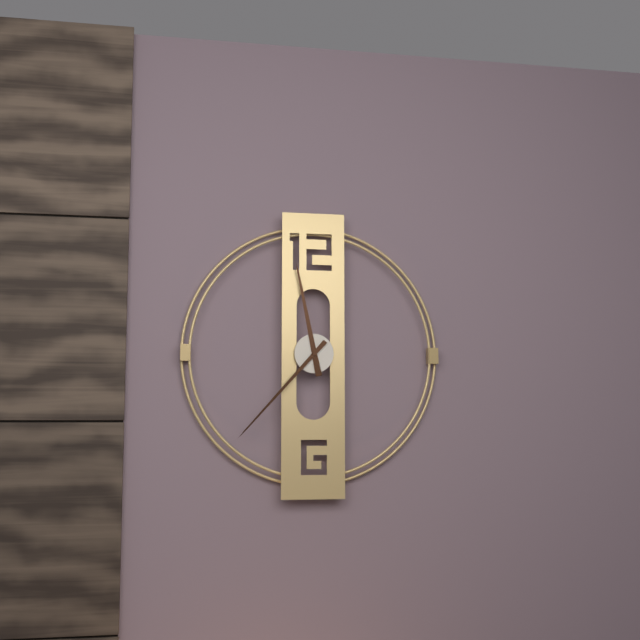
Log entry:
h=11 m=37
